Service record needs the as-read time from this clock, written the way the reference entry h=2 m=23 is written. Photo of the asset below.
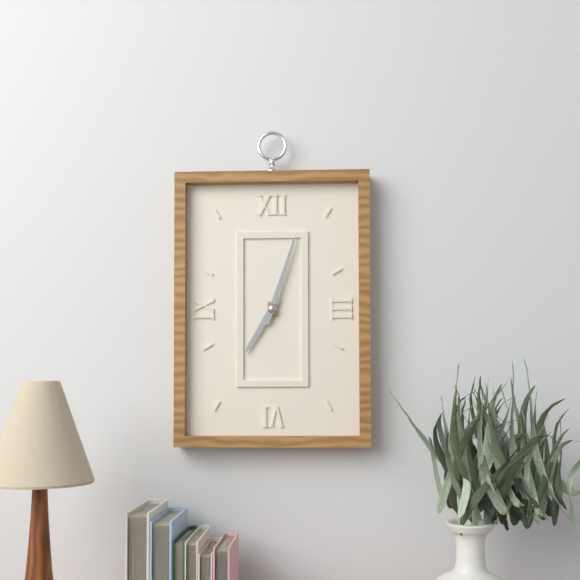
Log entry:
h=7 m=3
